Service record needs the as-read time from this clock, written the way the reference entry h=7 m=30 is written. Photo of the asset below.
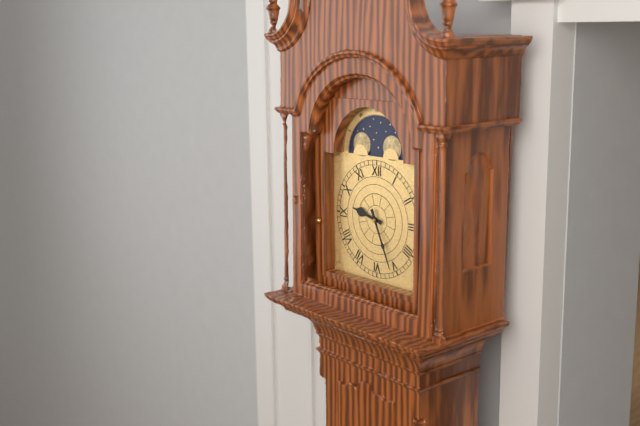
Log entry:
h=9 m=26
